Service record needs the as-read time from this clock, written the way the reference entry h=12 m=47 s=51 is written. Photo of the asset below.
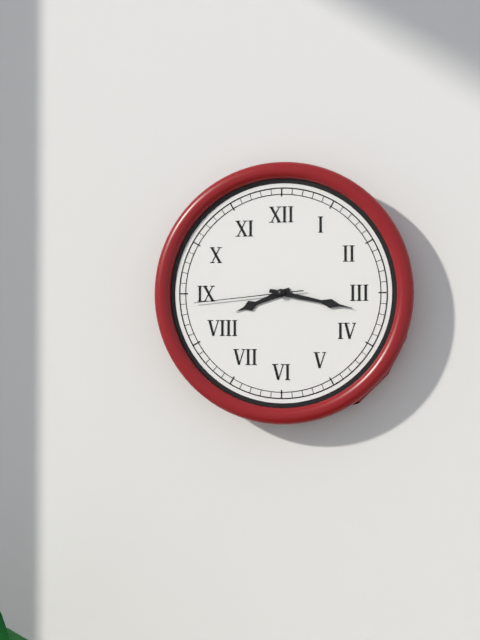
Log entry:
h=8 m=17 s=44
